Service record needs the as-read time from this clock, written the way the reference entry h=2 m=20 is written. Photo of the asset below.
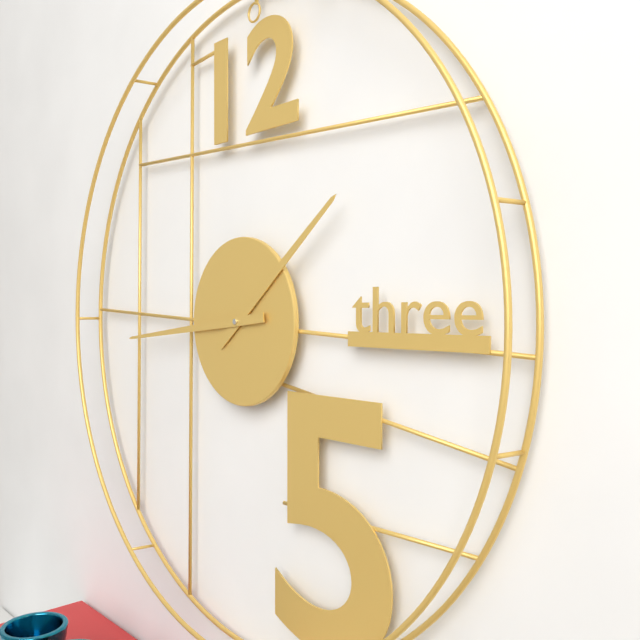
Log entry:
h=1 m=44
